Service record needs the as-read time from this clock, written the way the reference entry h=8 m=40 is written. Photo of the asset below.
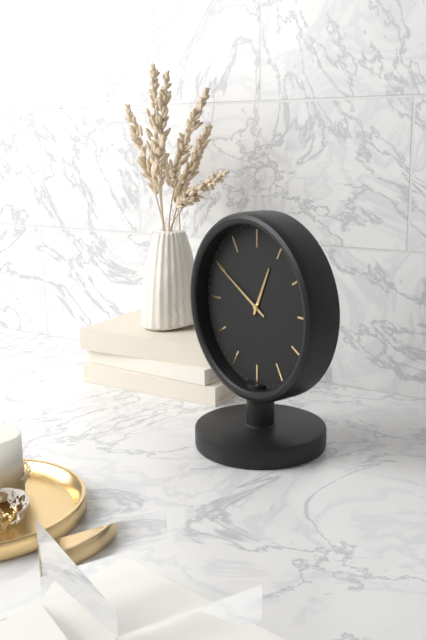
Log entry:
h=12 m=50
